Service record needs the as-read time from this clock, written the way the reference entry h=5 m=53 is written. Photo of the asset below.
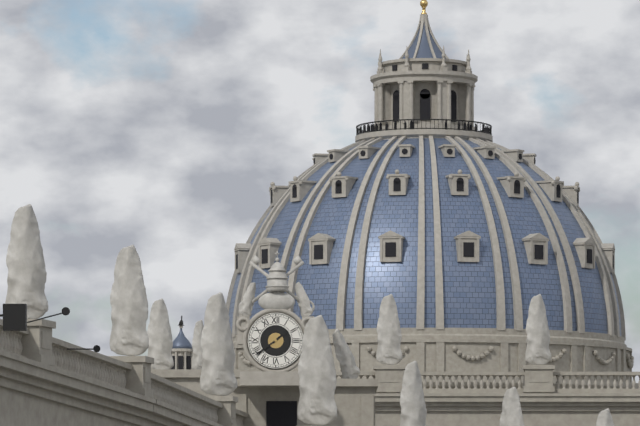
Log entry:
h=1 m=39
